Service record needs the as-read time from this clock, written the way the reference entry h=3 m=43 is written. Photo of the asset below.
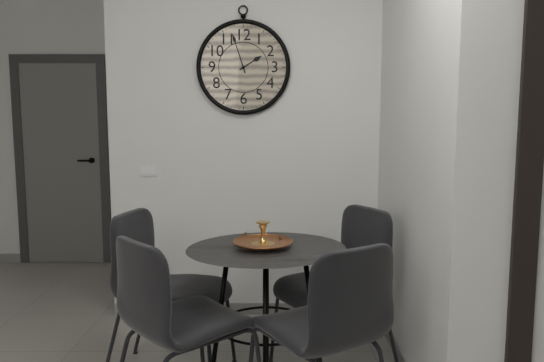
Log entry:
h=1 m=57
